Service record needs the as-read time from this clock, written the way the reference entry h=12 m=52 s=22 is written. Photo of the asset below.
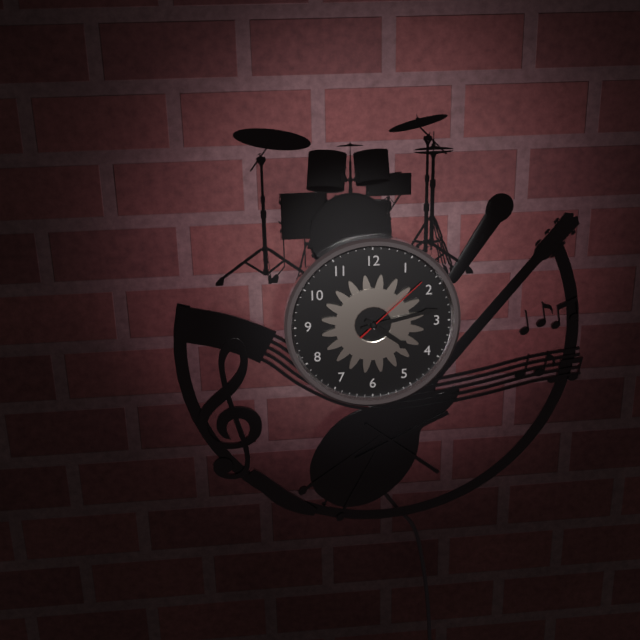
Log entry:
h=4 m=13 s=8
